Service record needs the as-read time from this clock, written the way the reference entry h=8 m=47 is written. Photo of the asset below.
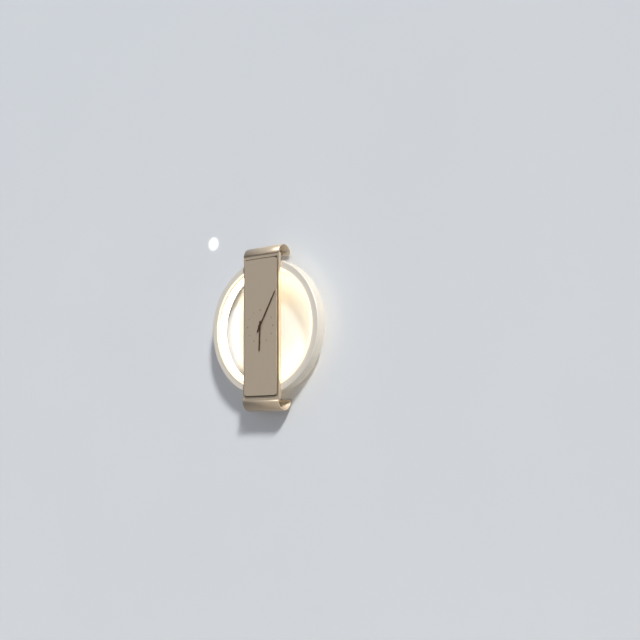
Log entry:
h=6 m=5
